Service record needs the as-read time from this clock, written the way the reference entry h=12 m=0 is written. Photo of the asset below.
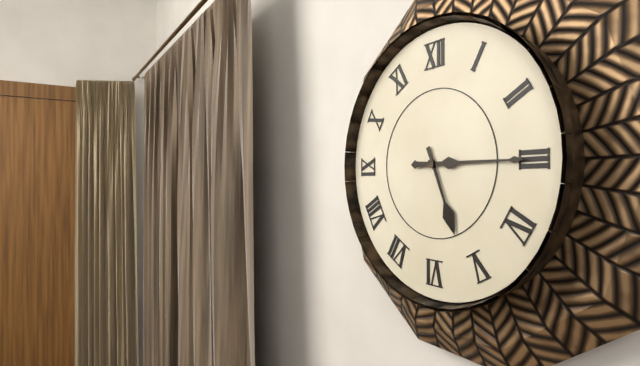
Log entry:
h=5 m=15
